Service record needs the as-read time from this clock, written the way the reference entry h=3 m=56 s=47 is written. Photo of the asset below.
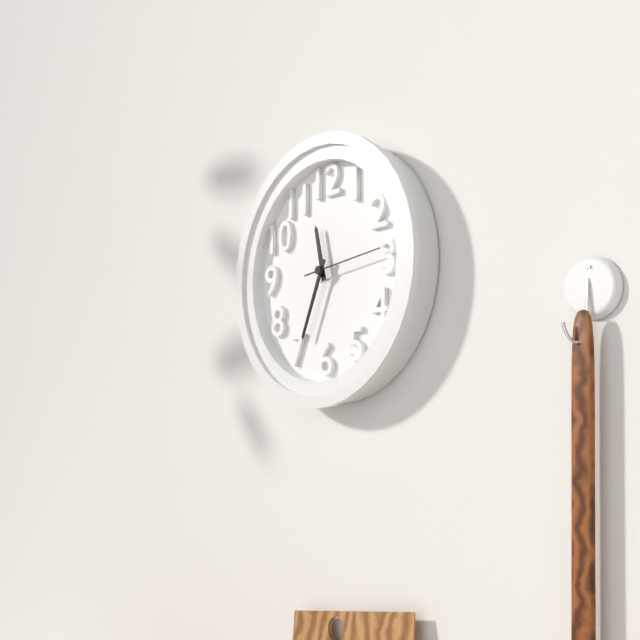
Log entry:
h=11 m=34 s=14
